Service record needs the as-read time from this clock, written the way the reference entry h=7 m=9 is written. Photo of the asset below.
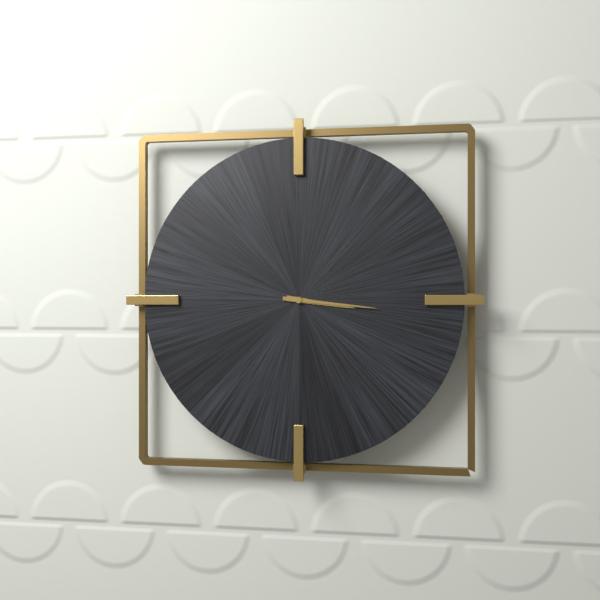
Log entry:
h=3 m=16
